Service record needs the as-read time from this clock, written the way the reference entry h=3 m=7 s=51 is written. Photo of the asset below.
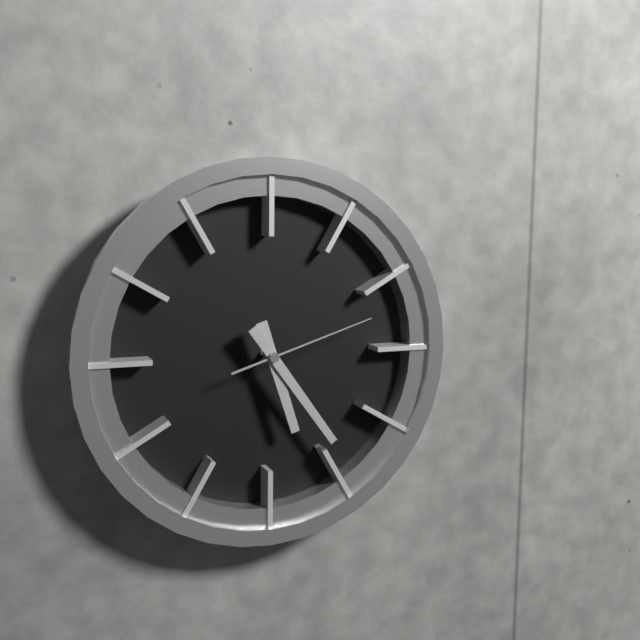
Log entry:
h=5 m=24 s=12
